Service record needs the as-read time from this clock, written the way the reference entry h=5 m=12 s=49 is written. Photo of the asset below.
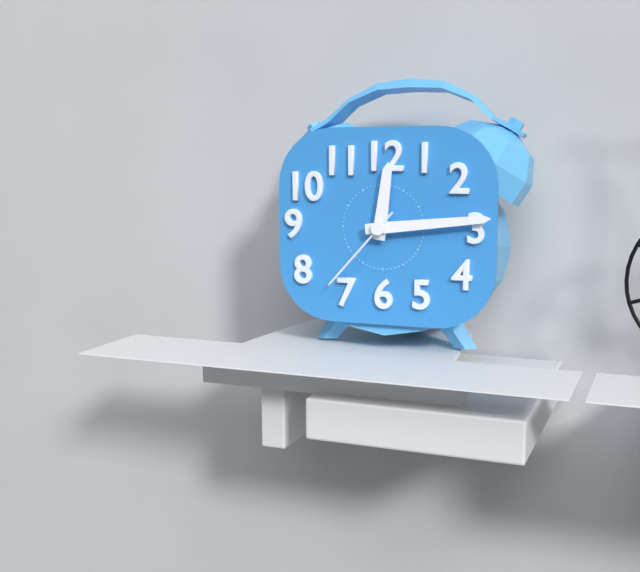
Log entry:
h=12 m=14 s=37
